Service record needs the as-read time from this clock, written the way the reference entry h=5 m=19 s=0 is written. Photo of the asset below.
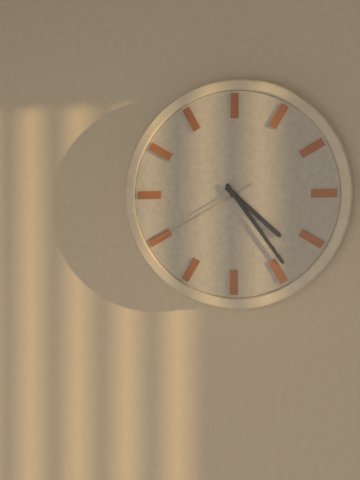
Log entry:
h=4 m=24 s=40
